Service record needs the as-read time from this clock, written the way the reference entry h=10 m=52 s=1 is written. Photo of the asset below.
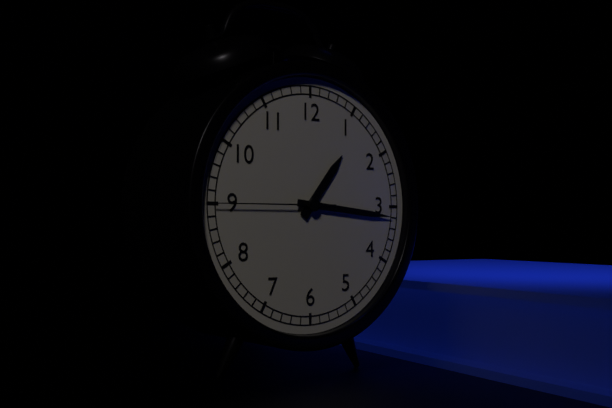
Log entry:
h=1 m=16 s=45
